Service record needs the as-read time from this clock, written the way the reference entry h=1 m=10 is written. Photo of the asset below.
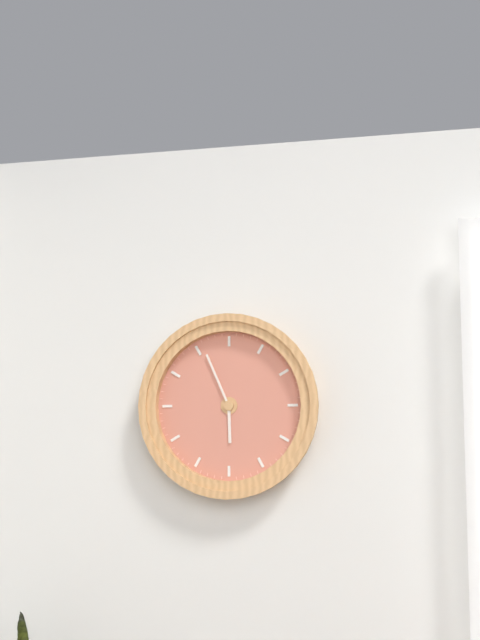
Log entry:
h=5 m=56
